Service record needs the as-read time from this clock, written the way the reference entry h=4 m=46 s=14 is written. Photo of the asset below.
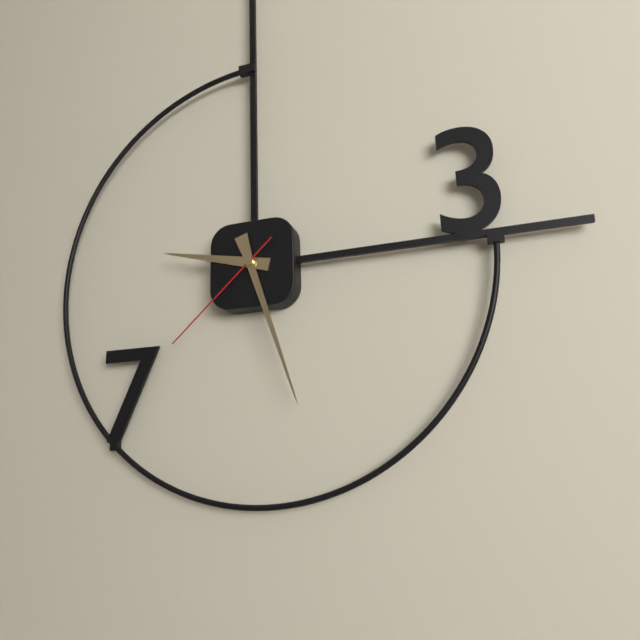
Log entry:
h=9 m=27 s=38
